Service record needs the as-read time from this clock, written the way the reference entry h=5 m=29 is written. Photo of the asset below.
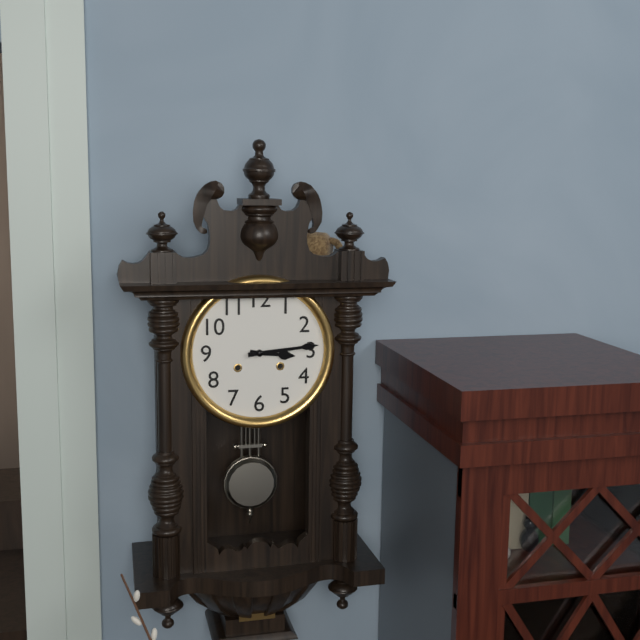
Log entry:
h=3 m=14
